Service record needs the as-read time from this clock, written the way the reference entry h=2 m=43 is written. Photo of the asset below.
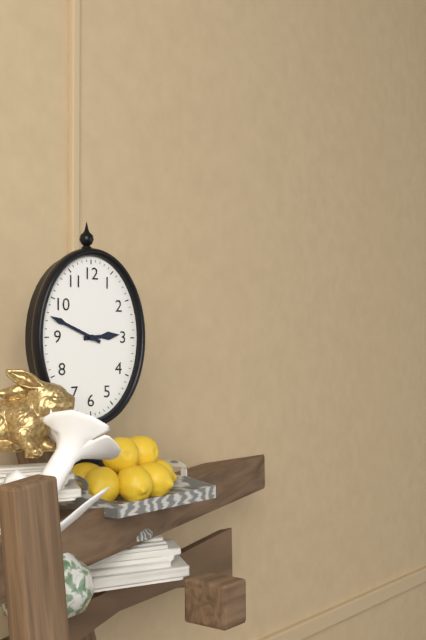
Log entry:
h=2 m=49
